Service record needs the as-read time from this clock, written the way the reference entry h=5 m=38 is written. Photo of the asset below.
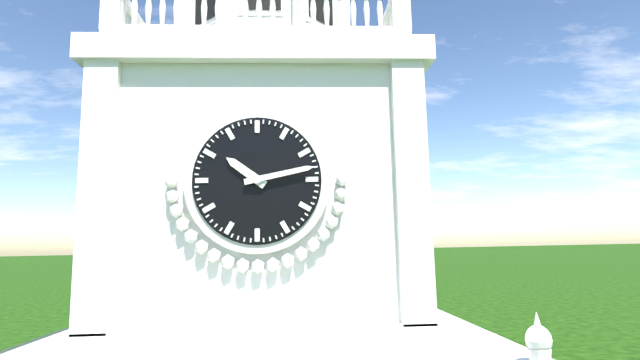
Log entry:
h=10 m=13
